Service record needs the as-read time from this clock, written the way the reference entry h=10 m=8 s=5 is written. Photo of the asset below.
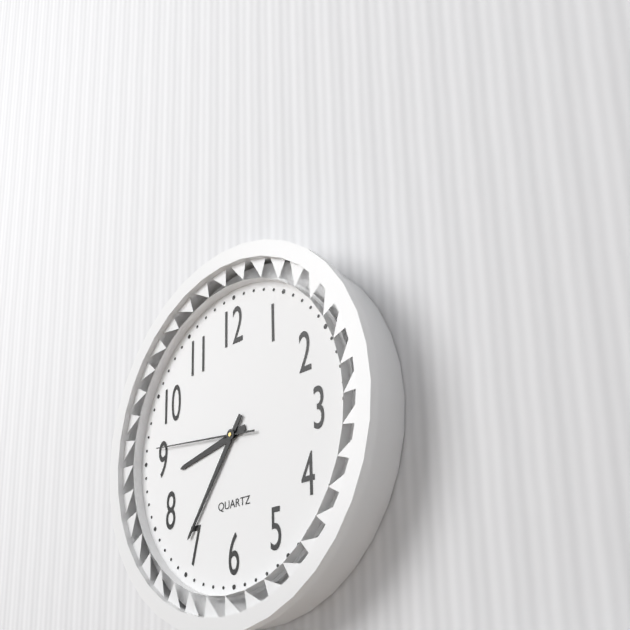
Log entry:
h=8 m=36 s=46
